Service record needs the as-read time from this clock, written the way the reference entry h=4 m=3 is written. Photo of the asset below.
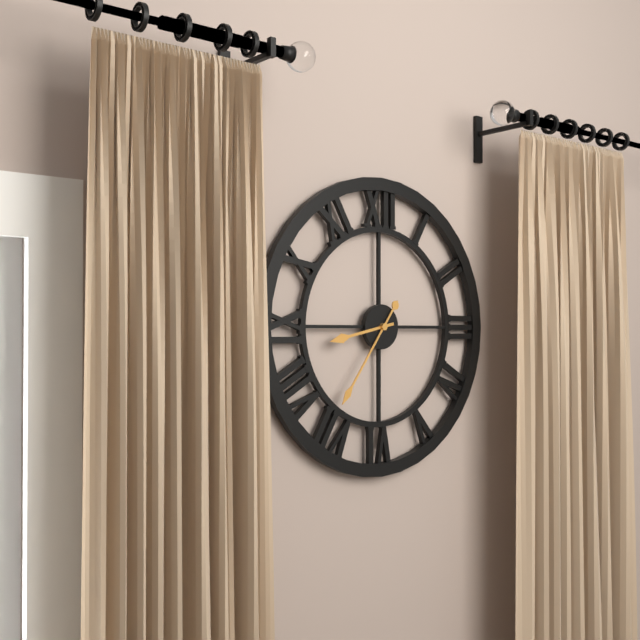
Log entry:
h=8 m=36
